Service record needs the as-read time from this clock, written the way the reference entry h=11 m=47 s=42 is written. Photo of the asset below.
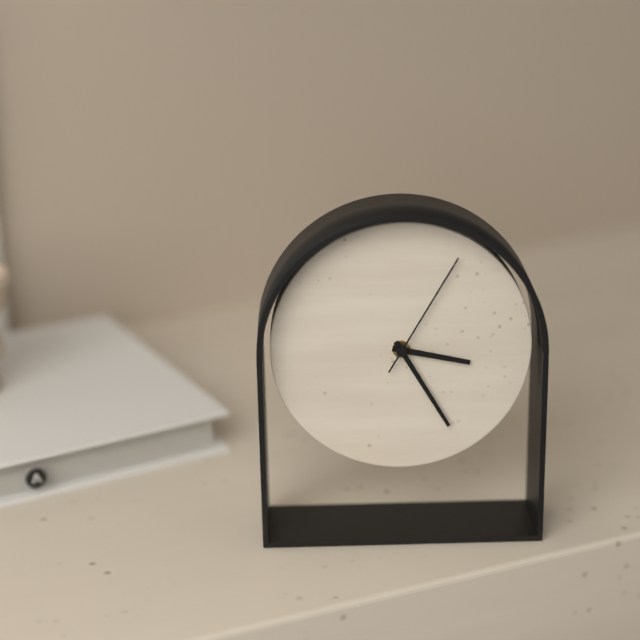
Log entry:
h=3 m=25 s=5
